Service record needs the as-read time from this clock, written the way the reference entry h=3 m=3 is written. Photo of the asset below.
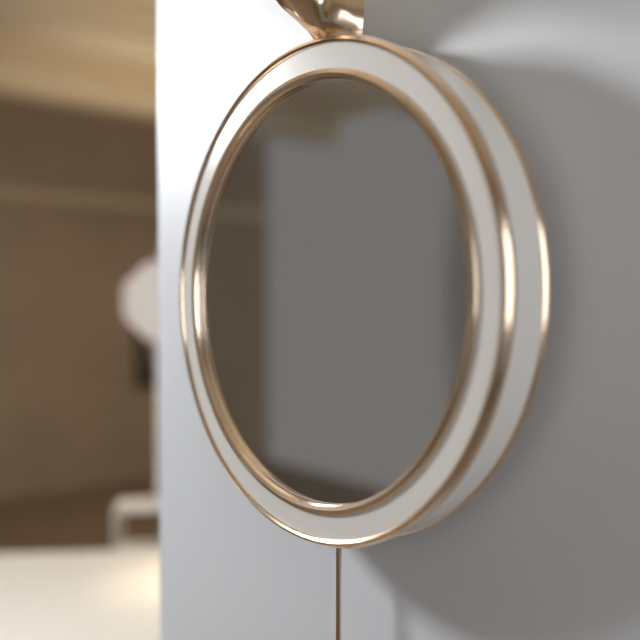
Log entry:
h=10 m=48
